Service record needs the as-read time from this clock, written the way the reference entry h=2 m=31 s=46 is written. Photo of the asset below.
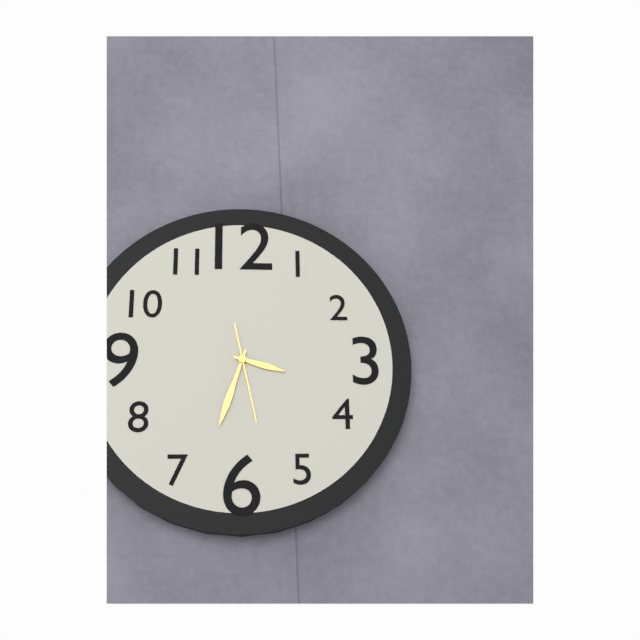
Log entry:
h=3 m=33 s=28
